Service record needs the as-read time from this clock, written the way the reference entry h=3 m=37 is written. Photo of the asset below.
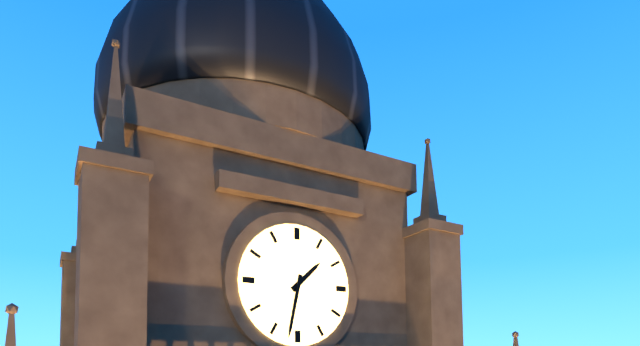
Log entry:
h=1 m=32
